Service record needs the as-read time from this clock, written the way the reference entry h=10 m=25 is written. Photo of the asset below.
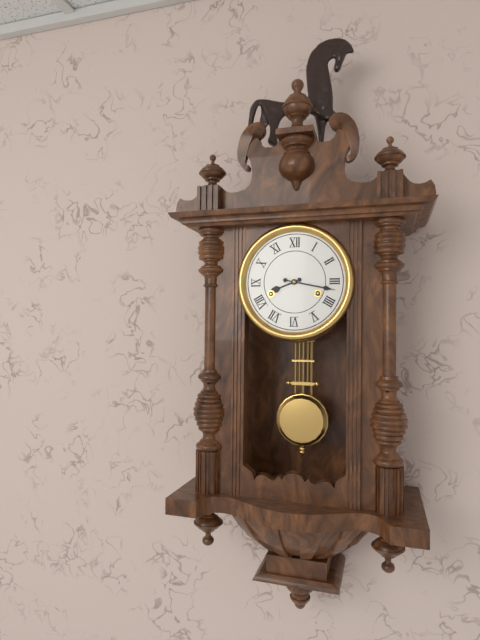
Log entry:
h=8 m=17
